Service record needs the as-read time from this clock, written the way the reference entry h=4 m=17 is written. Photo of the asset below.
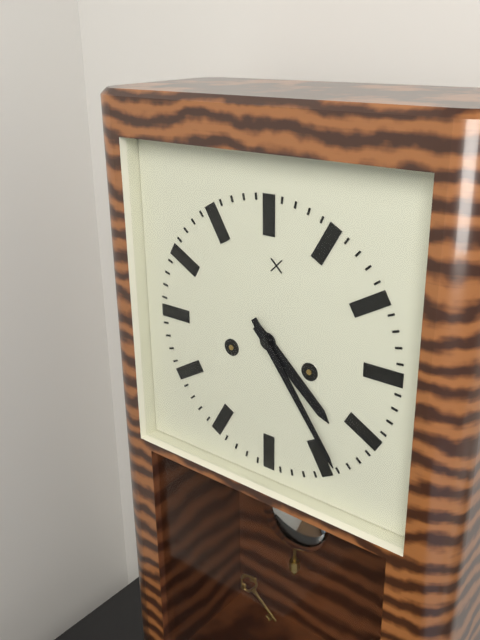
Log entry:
h=4 m=24
